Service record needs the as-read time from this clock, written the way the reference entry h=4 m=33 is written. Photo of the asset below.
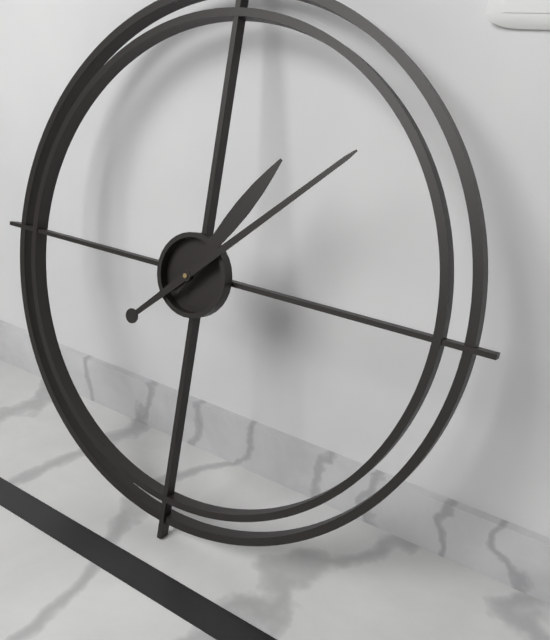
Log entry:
h=1 m=8
